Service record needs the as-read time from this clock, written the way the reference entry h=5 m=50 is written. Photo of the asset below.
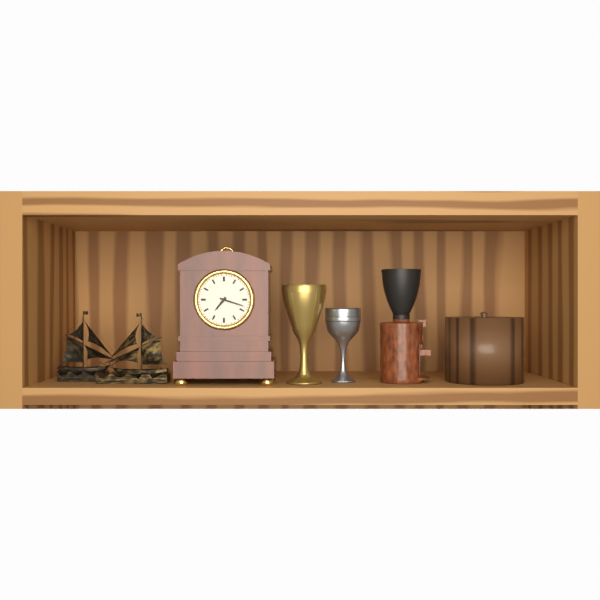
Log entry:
h=7 m=18
